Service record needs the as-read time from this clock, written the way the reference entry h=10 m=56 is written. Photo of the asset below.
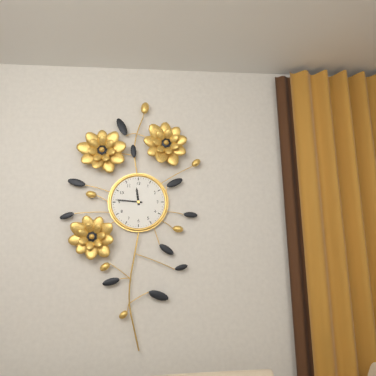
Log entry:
h=11 m=46
